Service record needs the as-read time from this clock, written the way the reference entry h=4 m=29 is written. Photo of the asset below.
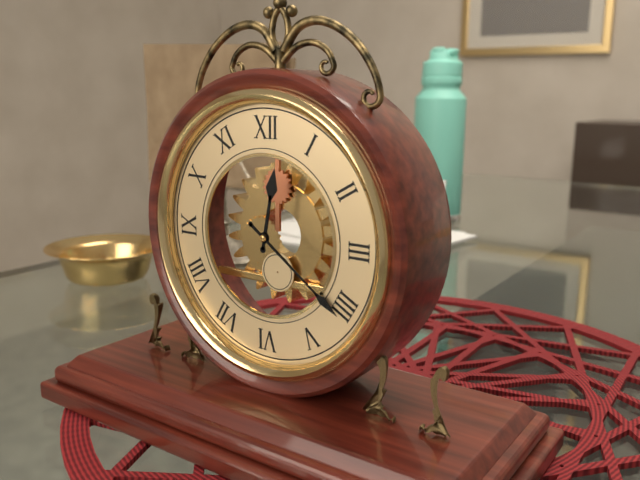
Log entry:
h=12 m=21
